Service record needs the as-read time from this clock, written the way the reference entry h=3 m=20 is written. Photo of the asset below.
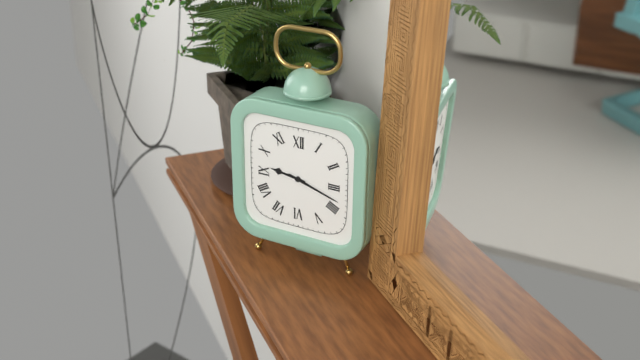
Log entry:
h=9 m=18
